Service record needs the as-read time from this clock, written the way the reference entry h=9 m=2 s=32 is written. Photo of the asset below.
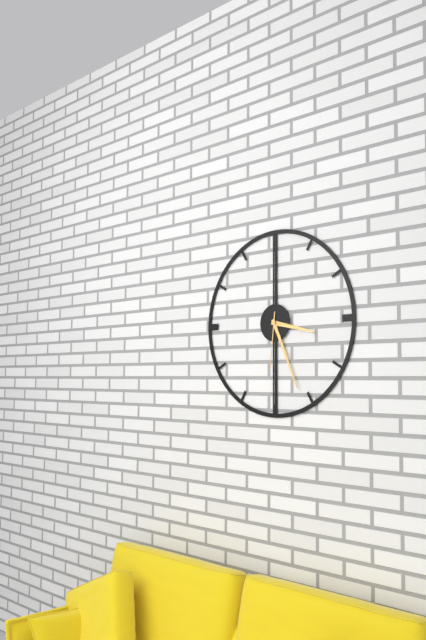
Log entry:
h=3 m=26 s=31
